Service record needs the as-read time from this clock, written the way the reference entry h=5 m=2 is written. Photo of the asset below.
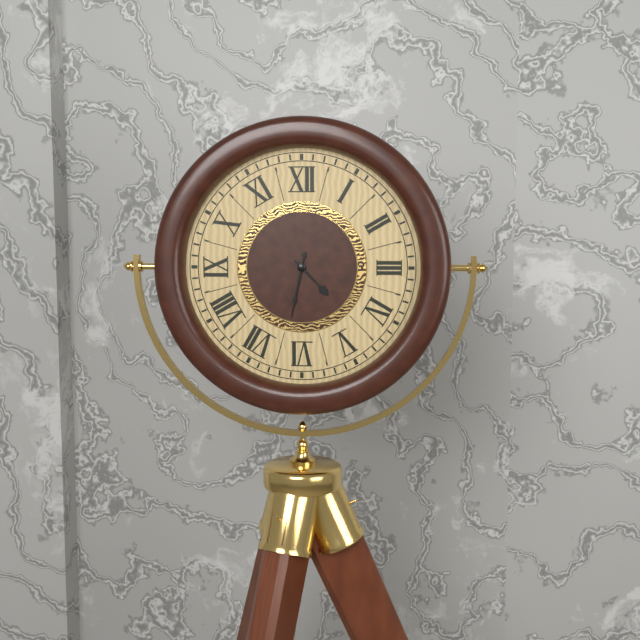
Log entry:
h=4 m=32
